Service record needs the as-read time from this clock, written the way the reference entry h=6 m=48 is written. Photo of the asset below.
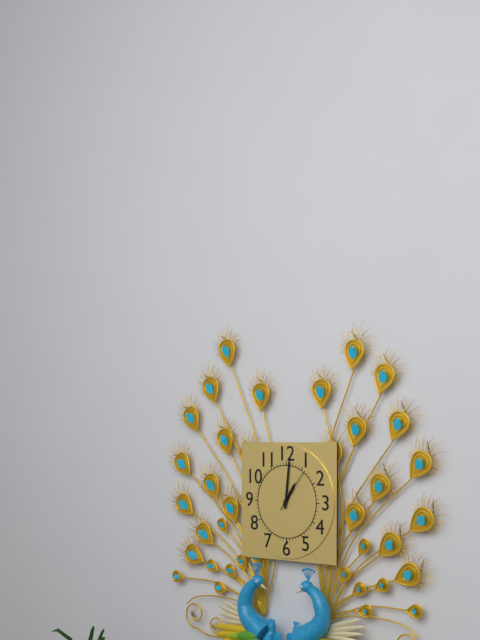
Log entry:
h=1 m=1
